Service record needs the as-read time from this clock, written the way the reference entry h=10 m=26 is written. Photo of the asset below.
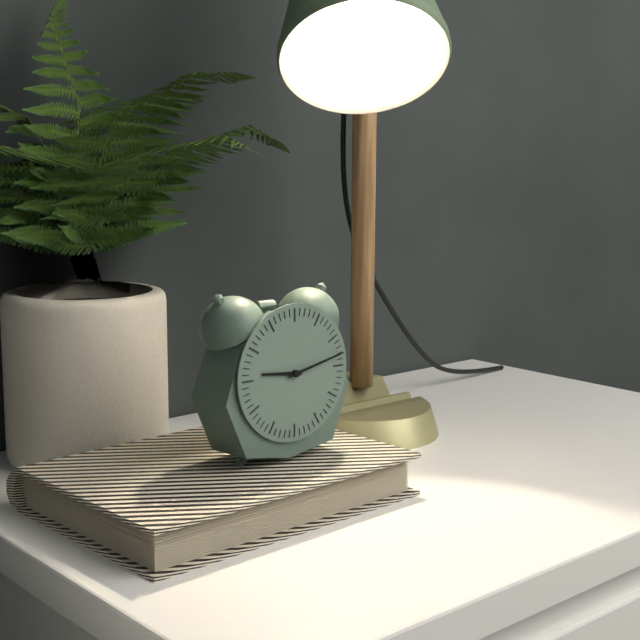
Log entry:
h=9 m=13
